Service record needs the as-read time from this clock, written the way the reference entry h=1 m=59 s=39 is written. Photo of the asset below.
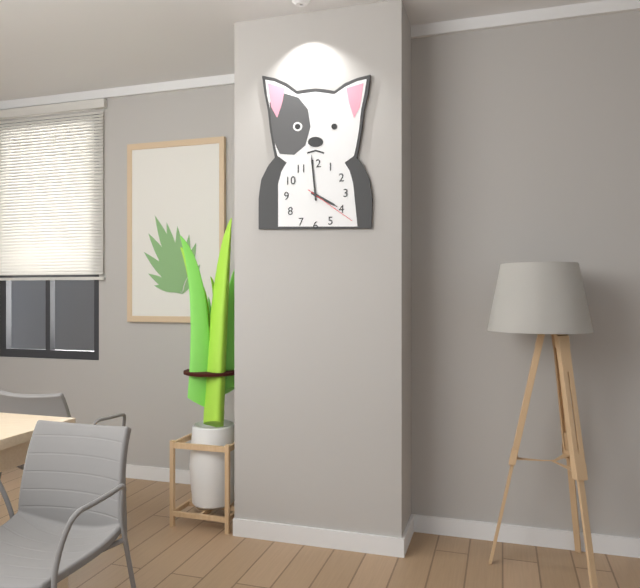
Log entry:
h=3 m=59 s=21
